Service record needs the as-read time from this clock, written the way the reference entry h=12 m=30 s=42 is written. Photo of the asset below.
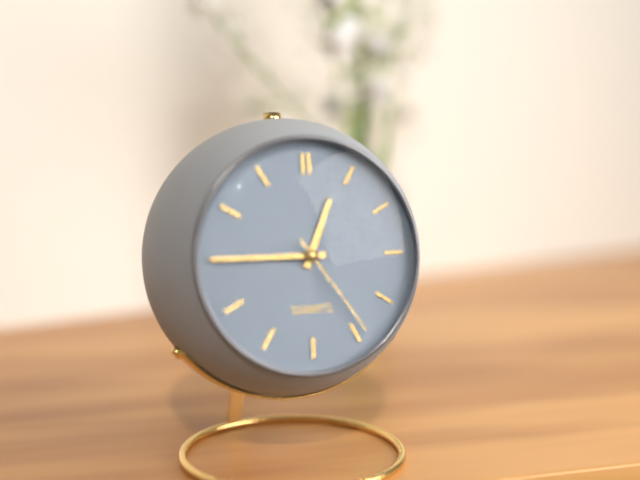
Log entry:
h=12 m=45 s=24
